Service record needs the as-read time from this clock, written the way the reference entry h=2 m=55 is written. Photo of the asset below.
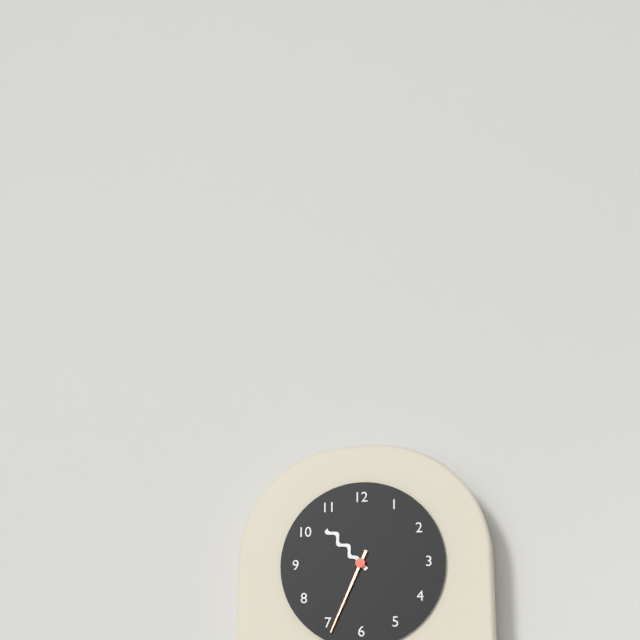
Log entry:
h=10 m=34
